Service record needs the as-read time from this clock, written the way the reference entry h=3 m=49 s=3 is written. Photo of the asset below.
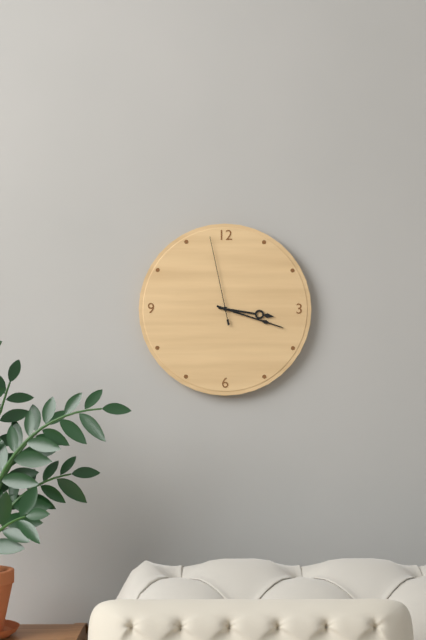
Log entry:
h=3 m=18 s=58
